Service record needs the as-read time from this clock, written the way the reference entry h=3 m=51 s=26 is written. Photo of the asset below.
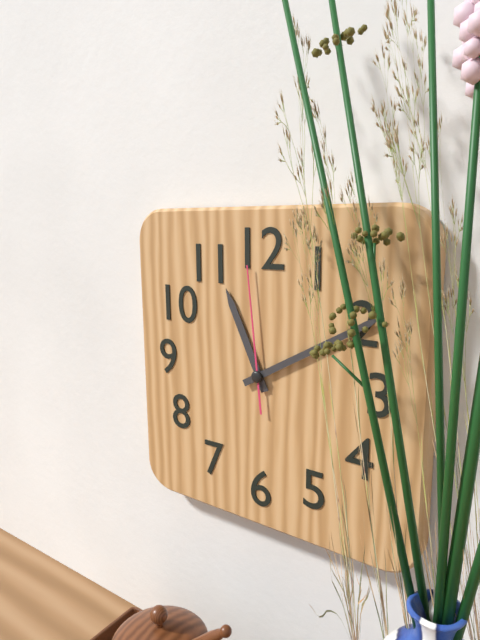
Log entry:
h=11 m=10 s=59
